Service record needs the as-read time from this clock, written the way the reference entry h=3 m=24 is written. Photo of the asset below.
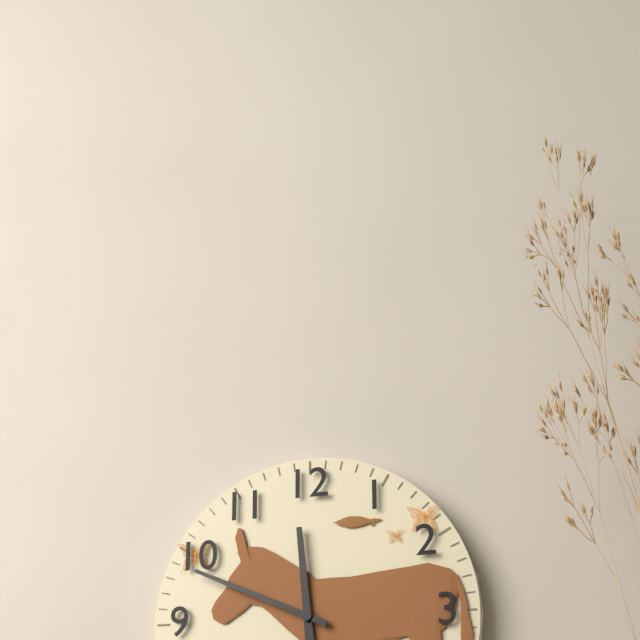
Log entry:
h=11 m=49
